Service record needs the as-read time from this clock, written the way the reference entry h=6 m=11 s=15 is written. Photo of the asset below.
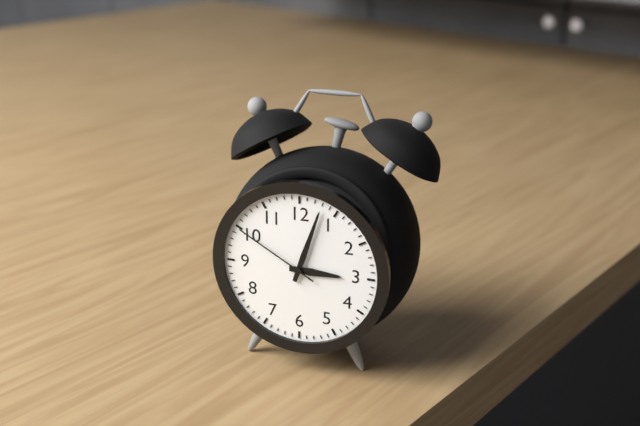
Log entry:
h=3 m=3 s=50
